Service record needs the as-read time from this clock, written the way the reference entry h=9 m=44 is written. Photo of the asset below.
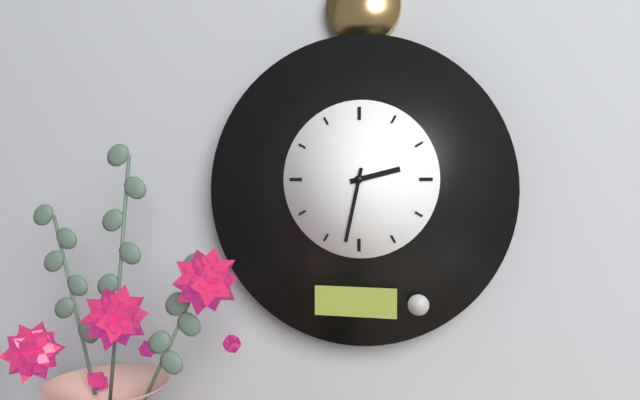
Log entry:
h=2 m=32
